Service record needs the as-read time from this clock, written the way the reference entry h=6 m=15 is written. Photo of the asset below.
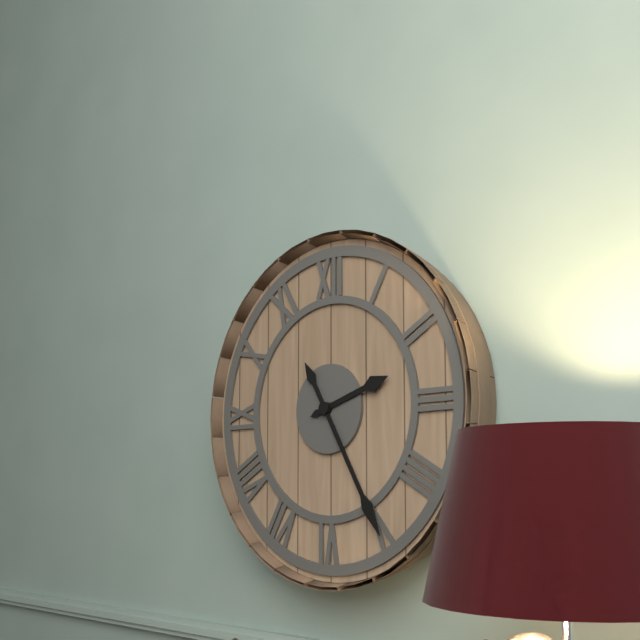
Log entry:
h=2 m=25
